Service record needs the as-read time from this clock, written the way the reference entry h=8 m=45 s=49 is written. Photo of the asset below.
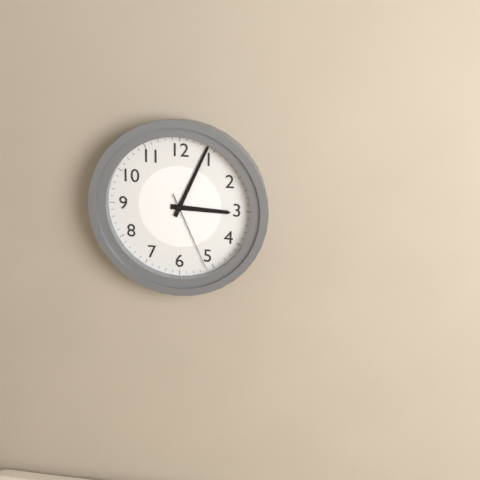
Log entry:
h=3 m=4 s=26
